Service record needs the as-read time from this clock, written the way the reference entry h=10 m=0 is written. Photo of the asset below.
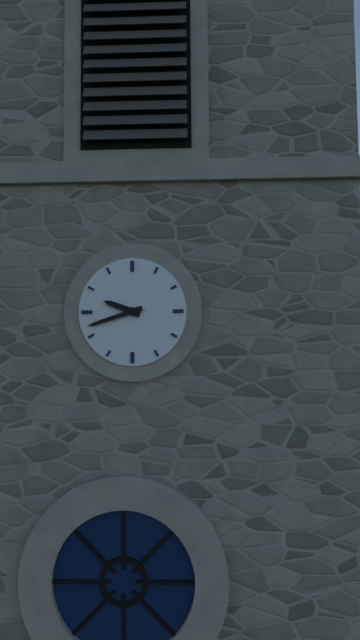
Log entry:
h=9 m=42
